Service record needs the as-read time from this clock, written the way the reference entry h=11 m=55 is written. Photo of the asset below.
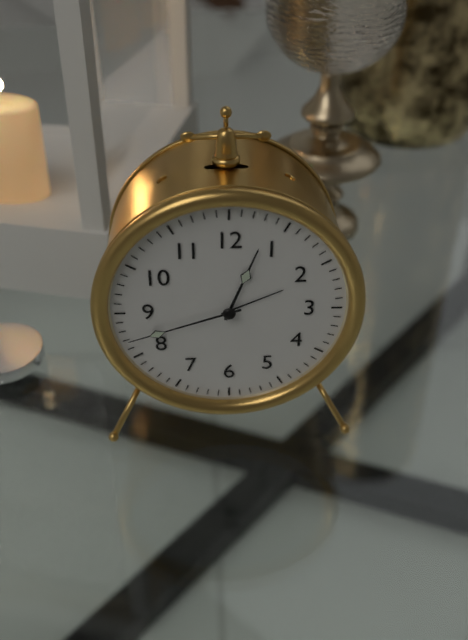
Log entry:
h=12 m=42
